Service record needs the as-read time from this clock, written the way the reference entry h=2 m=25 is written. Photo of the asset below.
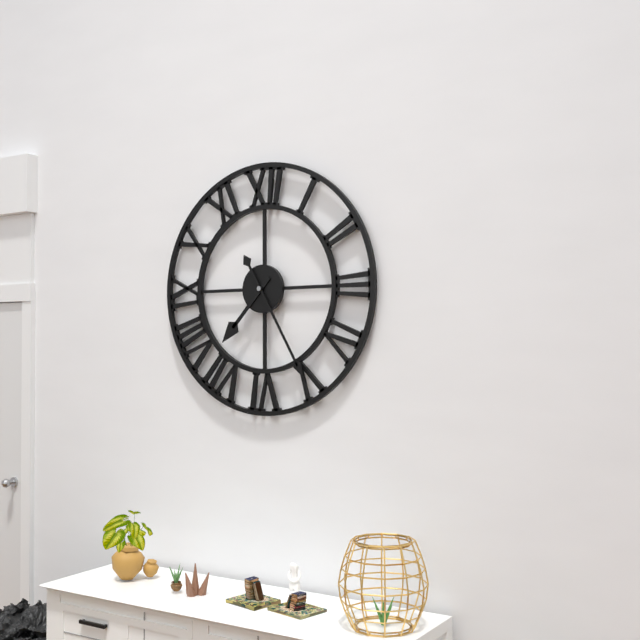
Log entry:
h=7 m=25
